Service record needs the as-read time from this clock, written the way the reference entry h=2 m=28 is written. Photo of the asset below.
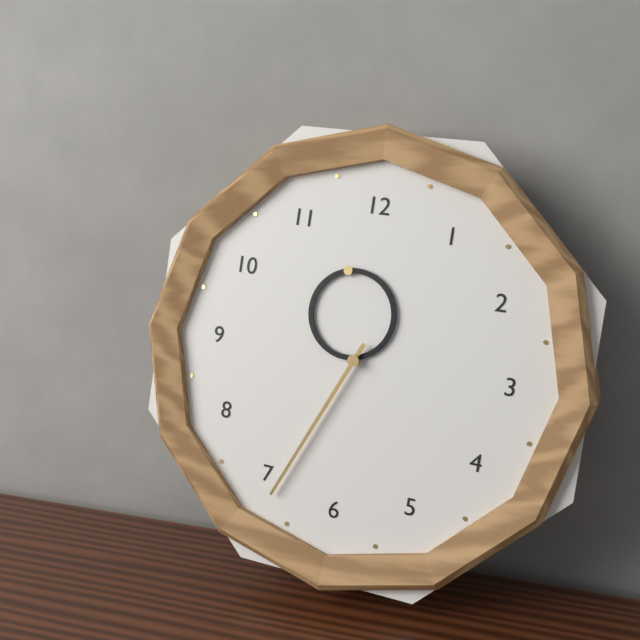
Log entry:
h=11 m=34
